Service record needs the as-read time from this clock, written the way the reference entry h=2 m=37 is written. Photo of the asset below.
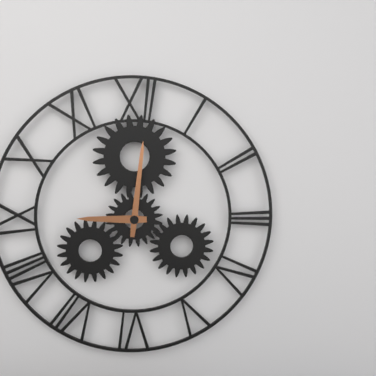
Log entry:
h=9 m=1
